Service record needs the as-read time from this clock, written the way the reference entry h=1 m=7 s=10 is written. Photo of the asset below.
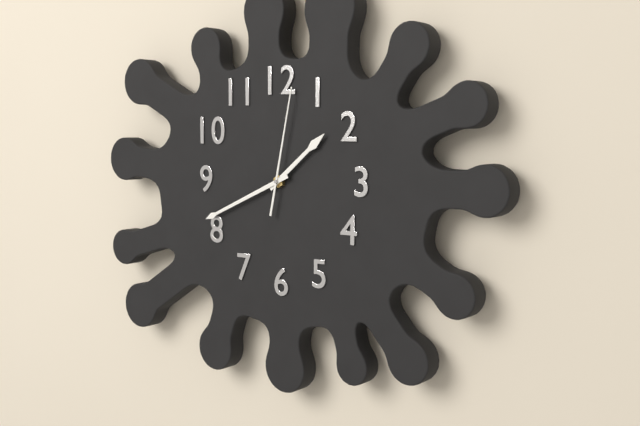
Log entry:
h=1 m=41 s=2
